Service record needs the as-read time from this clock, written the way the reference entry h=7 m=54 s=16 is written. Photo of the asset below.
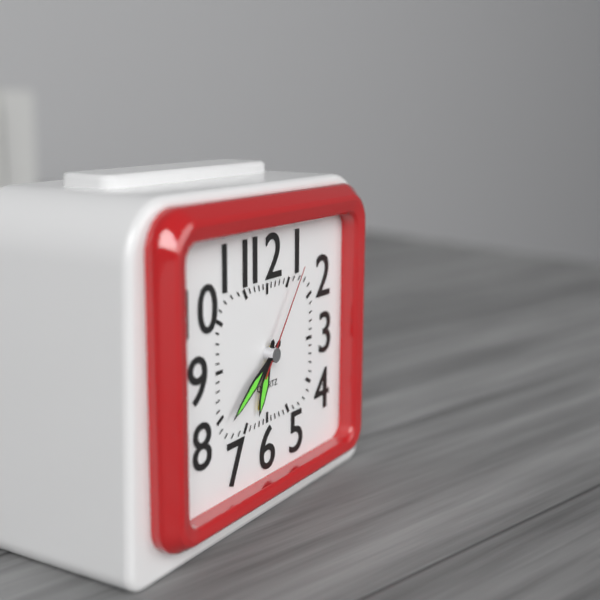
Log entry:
h=6 m=39 s=6
